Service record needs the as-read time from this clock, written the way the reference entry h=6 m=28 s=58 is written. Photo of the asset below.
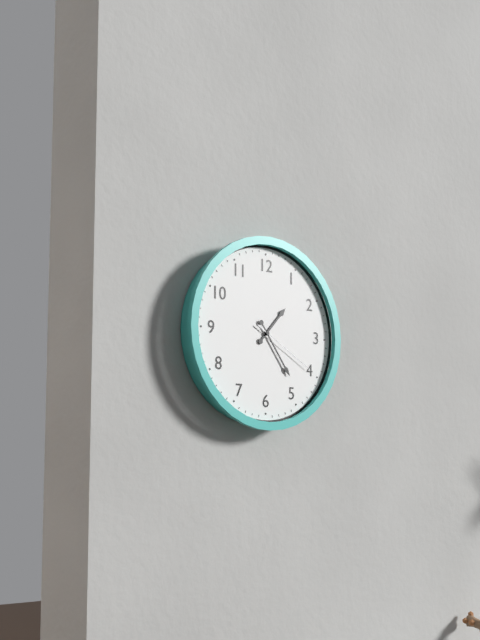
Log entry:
h=1 m=24 s=20
